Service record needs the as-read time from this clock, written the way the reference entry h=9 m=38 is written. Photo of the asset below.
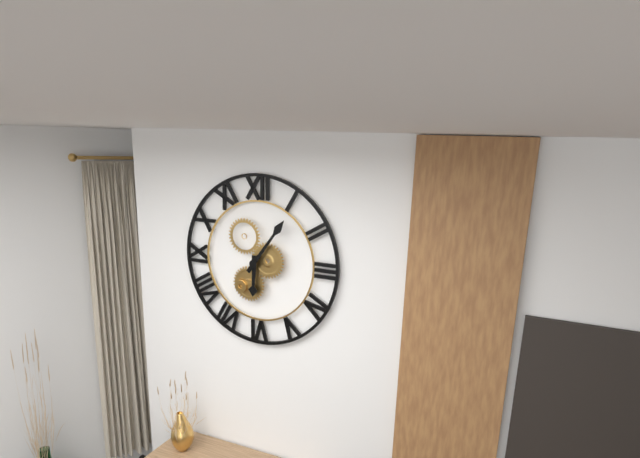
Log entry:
h=6 m=6
